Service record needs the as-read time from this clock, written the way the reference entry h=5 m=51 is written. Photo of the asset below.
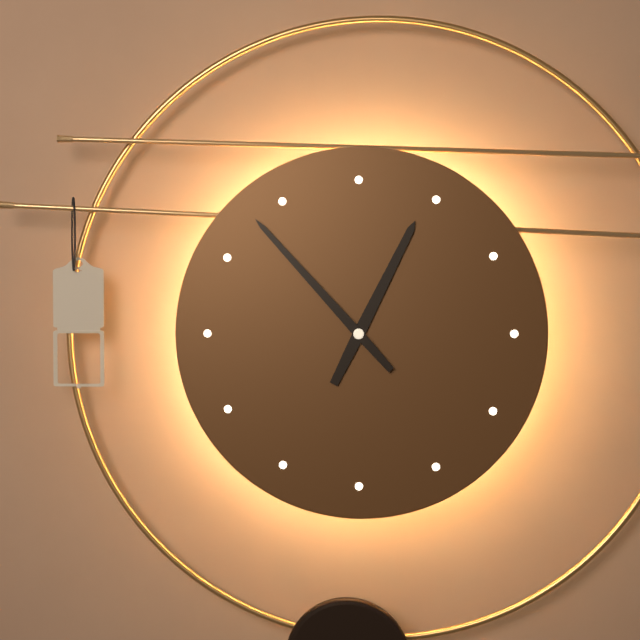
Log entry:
h=12 m=53
